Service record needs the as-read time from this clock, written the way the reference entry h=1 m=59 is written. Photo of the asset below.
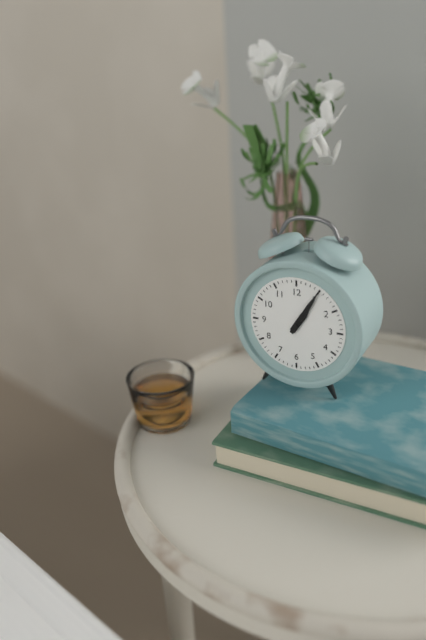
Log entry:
h=1 m=5
